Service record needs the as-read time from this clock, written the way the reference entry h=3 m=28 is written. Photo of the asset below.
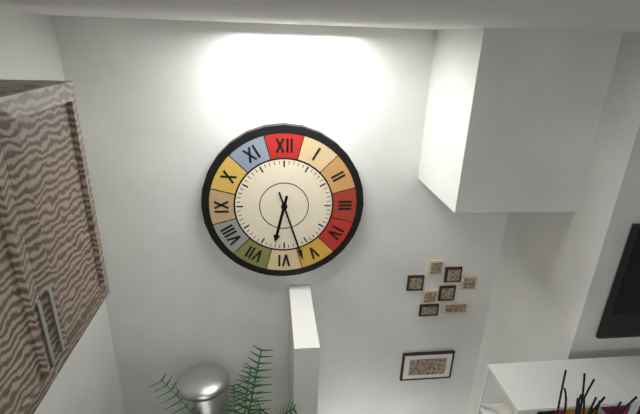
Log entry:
h=6 m=27
